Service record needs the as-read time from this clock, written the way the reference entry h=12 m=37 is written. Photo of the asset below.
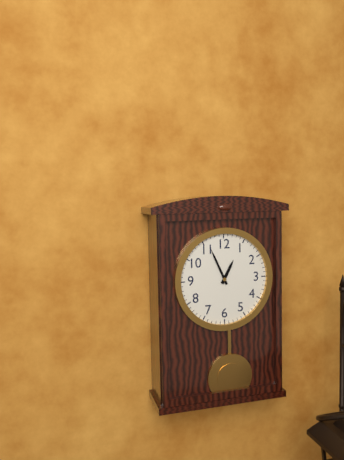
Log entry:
h=12 m=56
